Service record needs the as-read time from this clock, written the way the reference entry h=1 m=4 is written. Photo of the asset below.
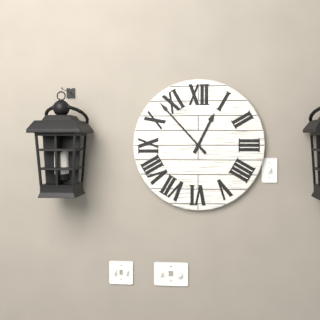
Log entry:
h=12 m=53
